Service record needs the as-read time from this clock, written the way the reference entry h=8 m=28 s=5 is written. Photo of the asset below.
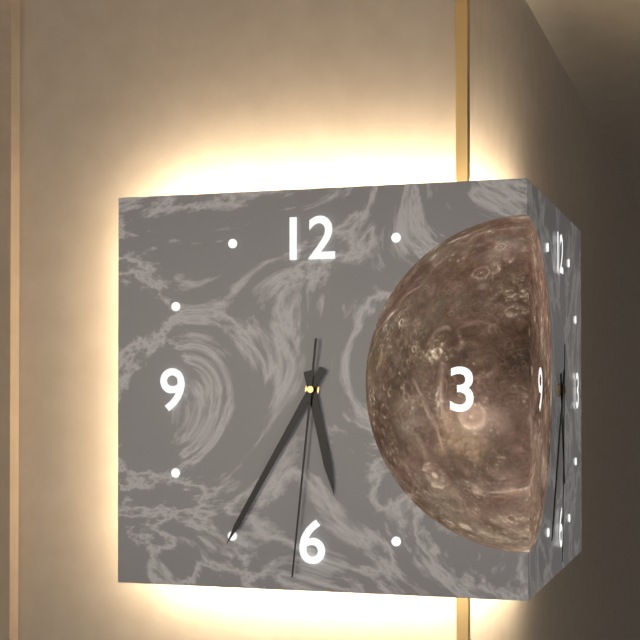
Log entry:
h=5 m=35 s=31
